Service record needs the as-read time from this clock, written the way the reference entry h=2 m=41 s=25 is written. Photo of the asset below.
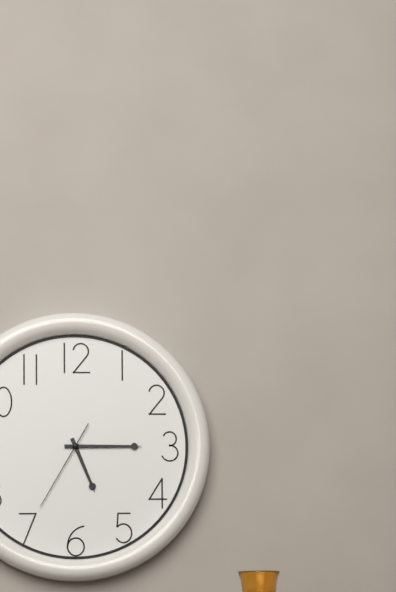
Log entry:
h=5 m=15 s=35
